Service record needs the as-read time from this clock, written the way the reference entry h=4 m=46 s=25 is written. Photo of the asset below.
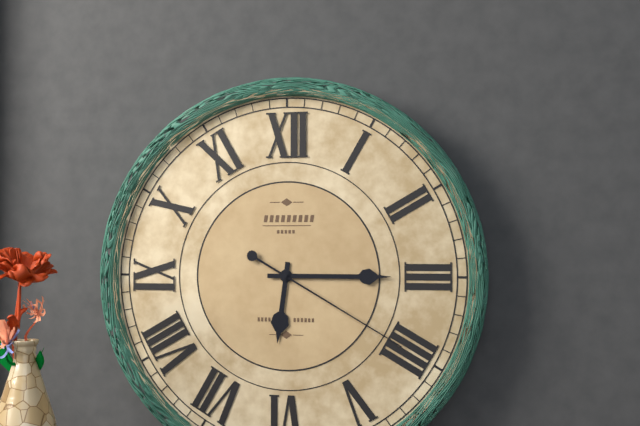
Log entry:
h=6 m=15 s=20
